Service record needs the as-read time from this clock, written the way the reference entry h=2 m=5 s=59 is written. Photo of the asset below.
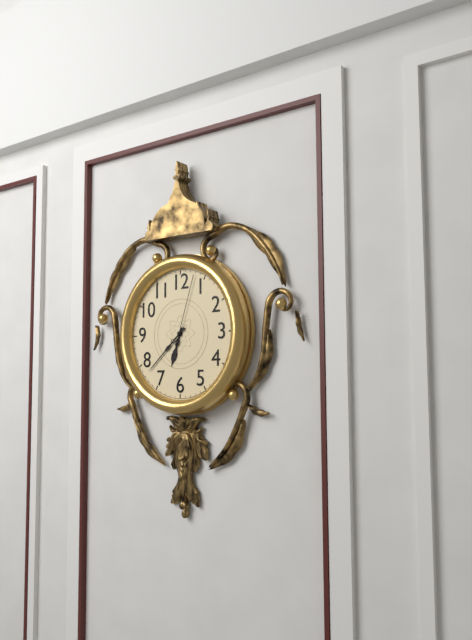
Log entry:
h=6 m=38 s=3
